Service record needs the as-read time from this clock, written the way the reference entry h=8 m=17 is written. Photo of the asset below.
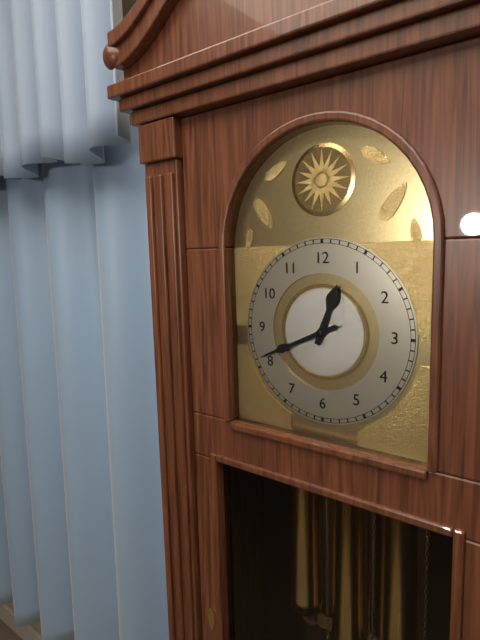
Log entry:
h=12 m=41
